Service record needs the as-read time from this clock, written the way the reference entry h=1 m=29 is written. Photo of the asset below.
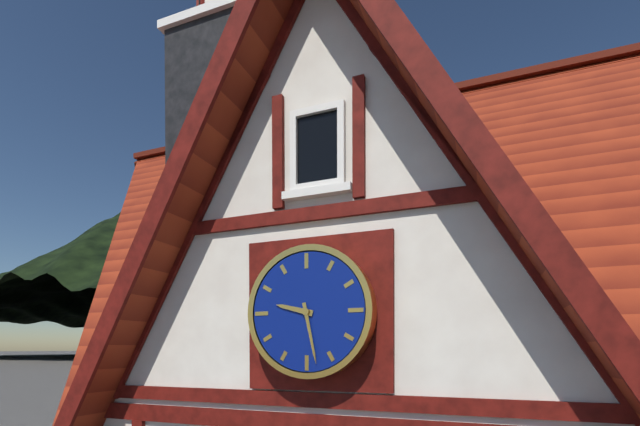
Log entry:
h=9 m=28
